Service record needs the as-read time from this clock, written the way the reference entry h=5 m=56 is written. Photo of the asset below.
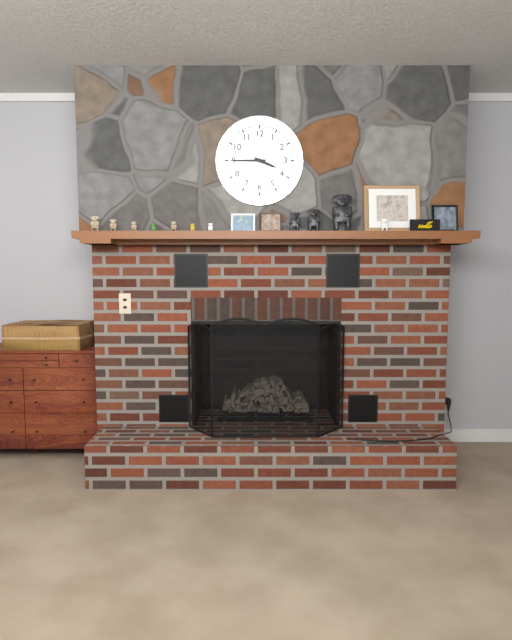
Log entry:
h=3 m=45
